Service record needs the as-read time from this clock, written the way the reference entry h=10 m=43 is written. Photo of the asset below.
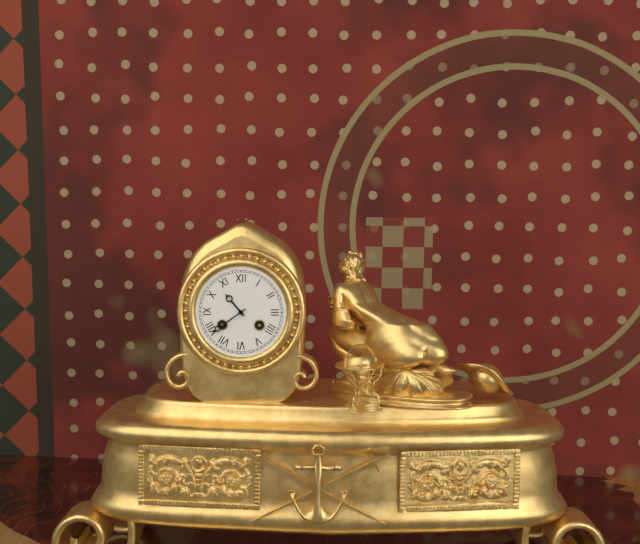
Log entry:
h=10 m=39
